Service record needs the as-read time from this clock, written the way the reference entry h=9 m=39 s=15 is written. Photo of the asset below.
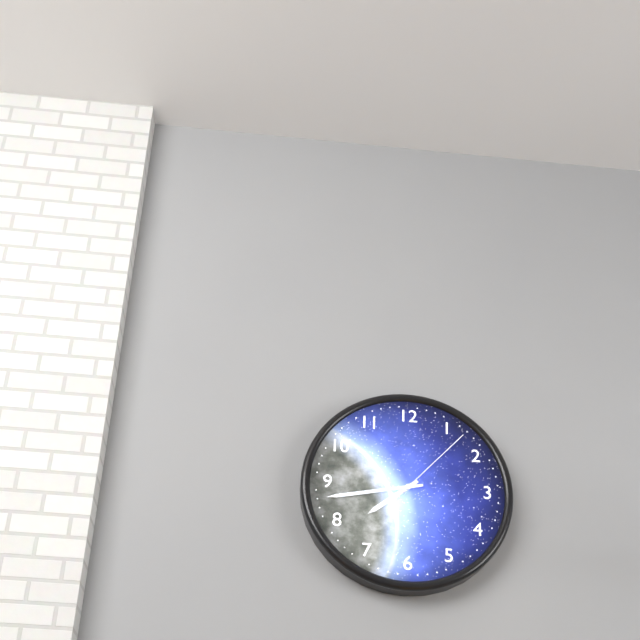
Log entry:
h=7 m=43 s=7
